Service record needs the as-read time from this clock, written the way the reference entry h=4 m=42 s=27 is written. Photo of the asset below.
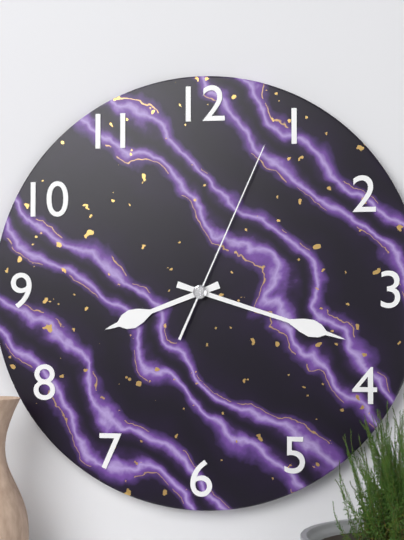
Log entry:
h=8 m=18 s=4
